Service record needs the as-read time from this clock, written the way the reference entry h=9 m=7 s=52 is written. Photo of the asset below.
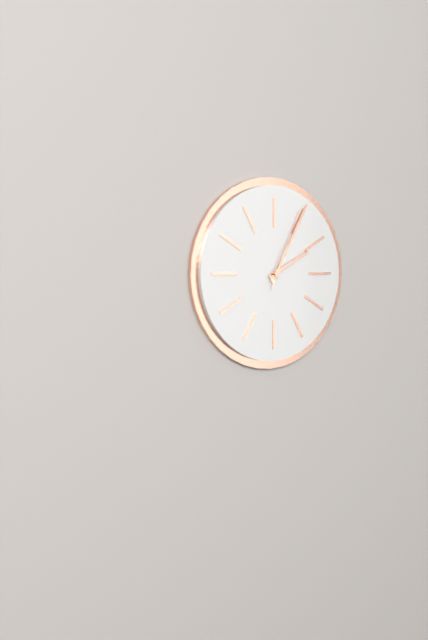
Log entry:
h=2 m=5 s=4
